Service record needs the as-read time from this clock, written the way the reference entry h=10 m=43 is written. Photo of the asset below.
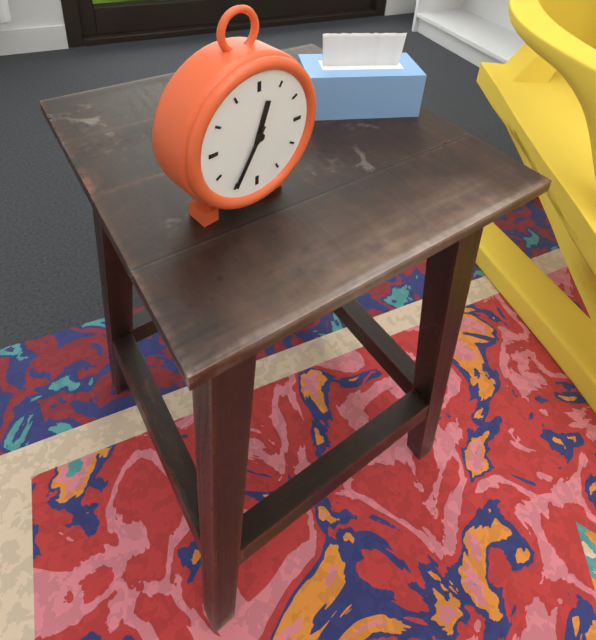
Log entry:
h=12 m=35
